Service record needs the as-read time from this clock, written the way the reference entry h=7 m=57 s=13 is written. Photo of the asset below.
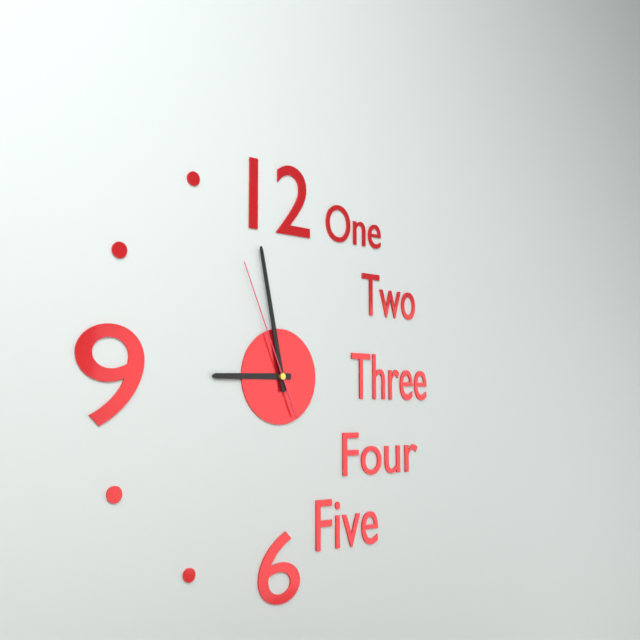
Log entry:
h=8 m=58 s=56
